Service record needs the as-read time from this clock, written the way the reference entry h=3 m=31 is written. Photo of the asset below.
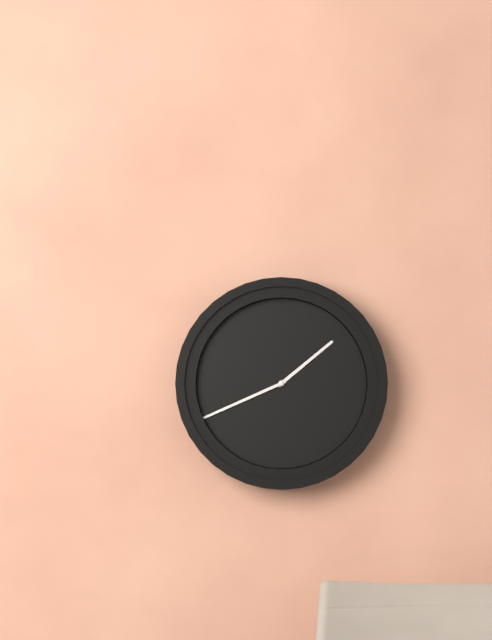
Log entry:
h=1 m=41
